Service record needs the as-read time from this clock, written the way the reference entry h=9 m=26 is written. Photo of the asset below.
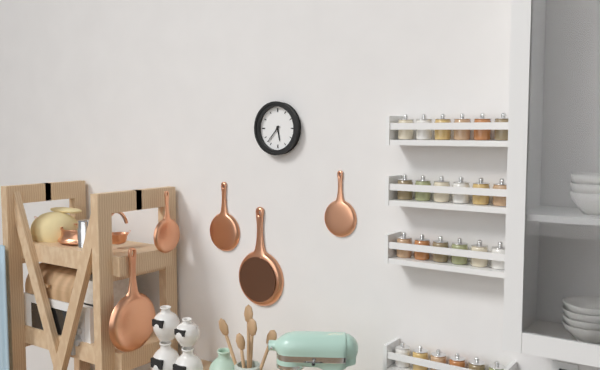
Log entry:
h=5 m=37
